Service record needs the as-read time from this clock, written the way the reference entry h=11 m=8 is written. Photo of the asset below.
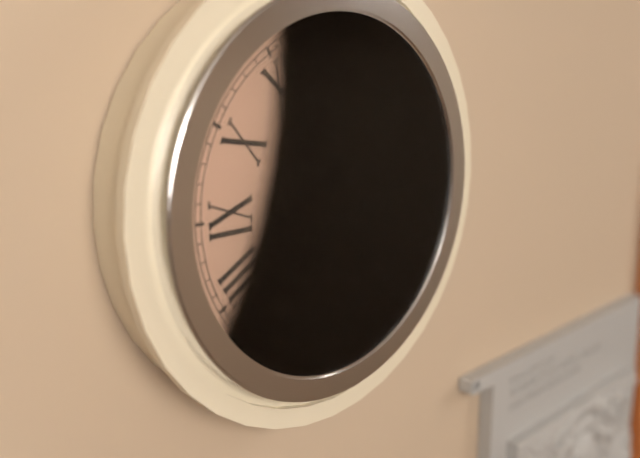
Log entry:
h=12 m=0
